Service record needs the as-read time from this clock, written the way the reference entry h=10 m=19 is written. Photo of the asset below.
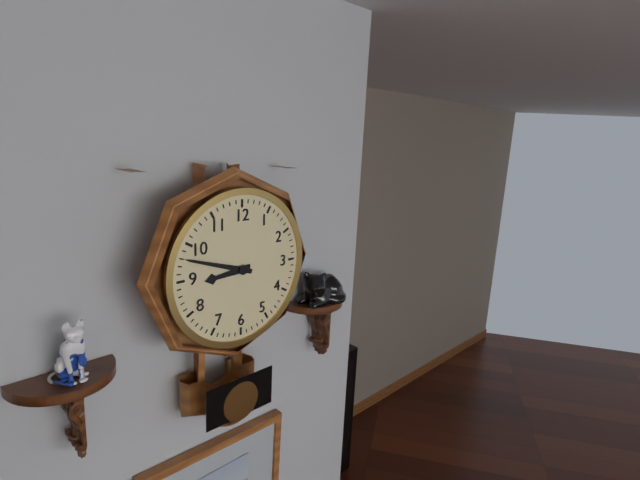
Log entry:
h=8 m=48
